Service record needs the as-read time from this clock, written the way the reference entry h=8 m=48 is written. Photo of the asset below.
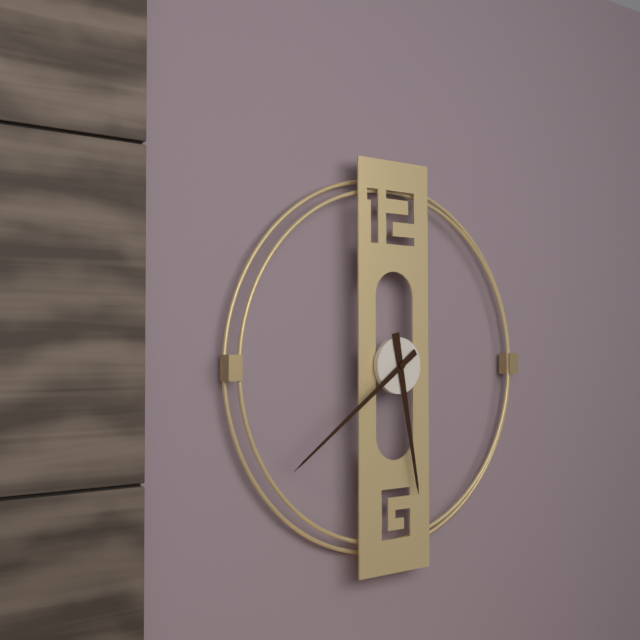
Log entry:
h=5 m=39
